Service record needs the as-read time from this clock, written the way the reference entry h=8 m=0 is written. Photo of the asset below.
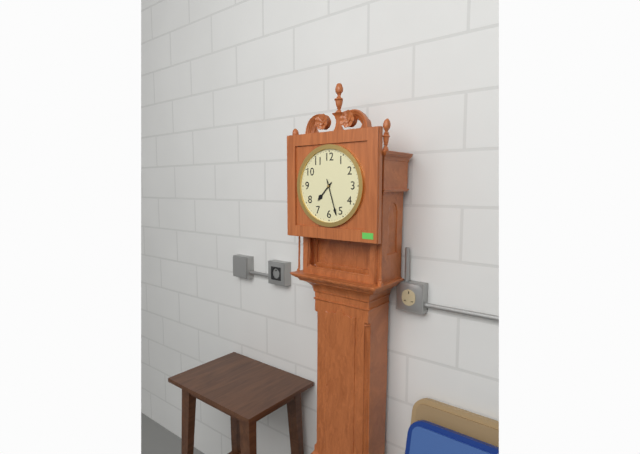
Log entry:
h=7 m=27
